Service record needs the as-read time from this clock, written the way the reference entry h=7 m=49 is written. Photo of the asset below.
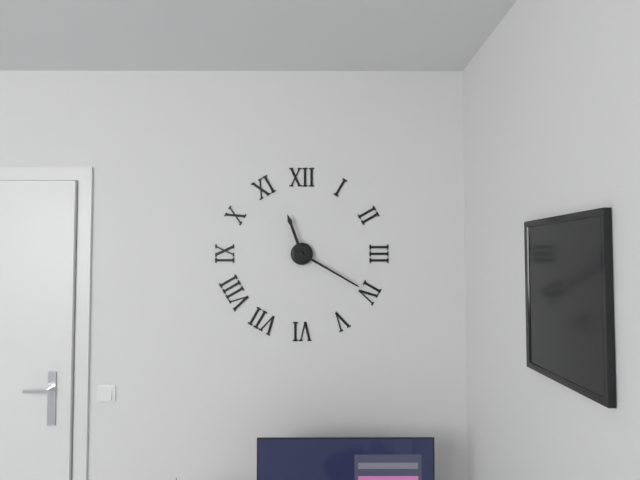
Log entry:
h=11 m=20
